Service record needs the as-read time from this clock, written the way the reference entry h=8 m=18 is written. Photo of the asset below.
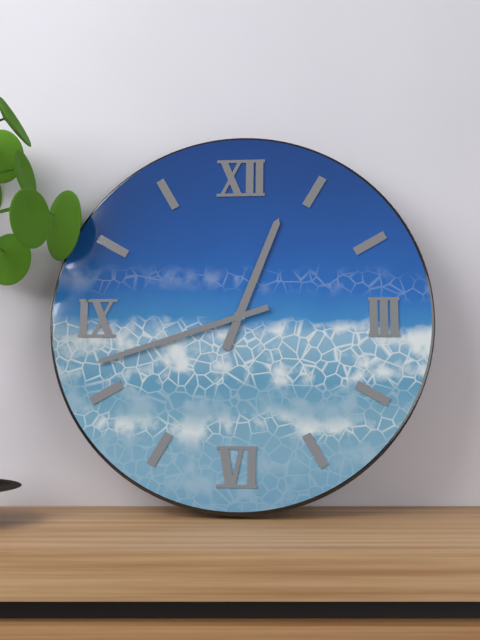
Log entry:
h=12 m=42
